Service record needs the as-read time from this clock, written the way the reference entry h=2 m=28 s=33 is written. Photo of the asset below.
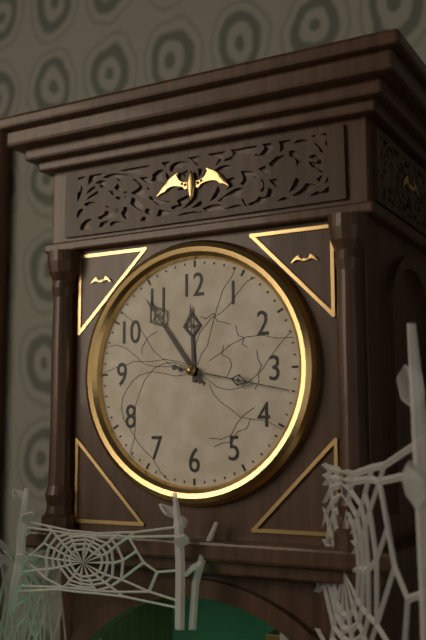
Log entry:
h=11 m=54 s=17
